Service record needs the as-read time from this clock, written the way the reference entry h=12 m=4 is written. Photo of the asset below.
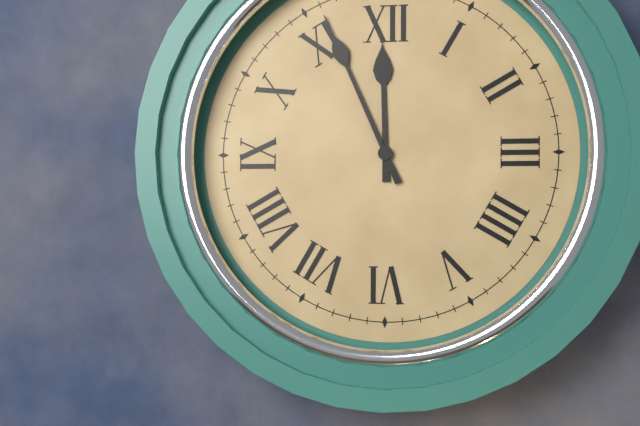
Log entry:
h=11 m=56
